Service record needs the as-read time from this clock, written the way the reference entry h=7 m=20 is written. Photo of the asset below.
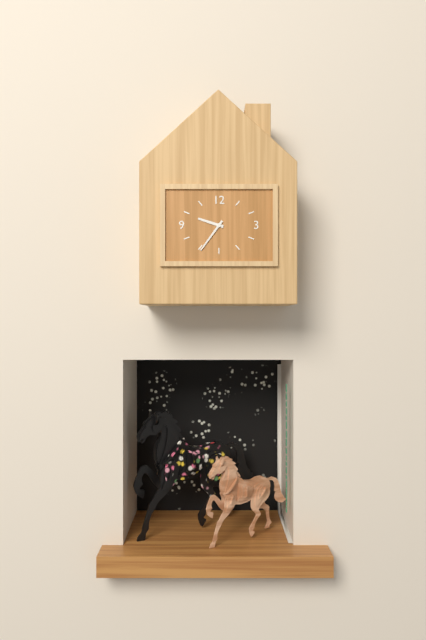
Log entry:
h=9 m=36
